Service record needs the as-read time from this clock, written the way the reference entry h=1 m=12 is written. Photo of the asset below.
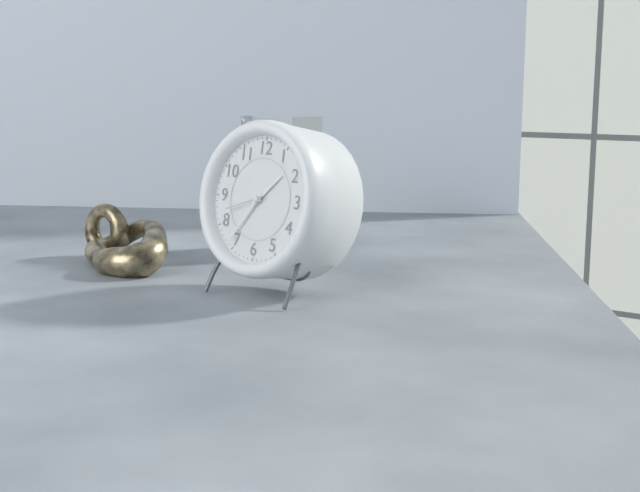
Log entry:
h=1 m=36
